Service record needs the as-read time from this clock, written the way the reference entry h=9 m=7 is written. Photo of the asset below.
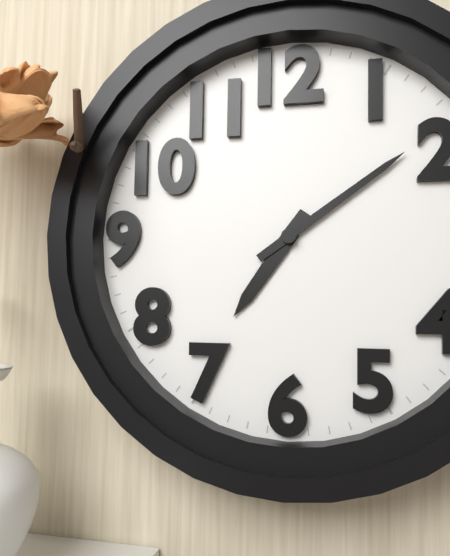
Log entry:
h=7 m=9
